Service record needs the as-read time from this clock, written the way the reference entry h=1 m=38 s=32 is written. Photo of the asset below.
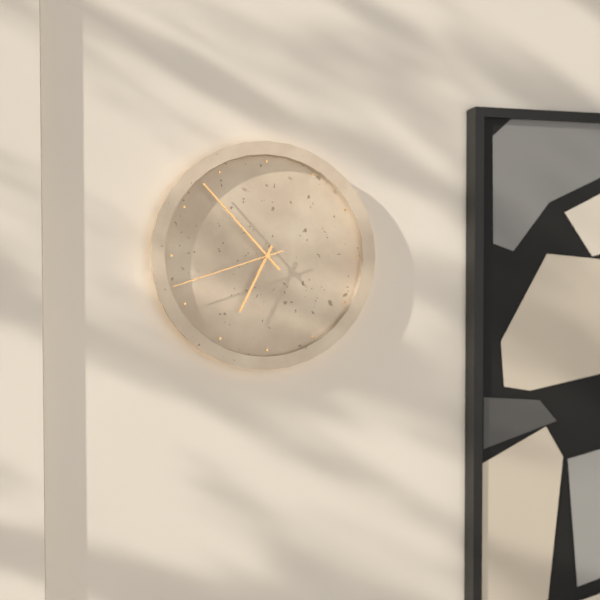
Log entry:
h=6 m=53 s=42
